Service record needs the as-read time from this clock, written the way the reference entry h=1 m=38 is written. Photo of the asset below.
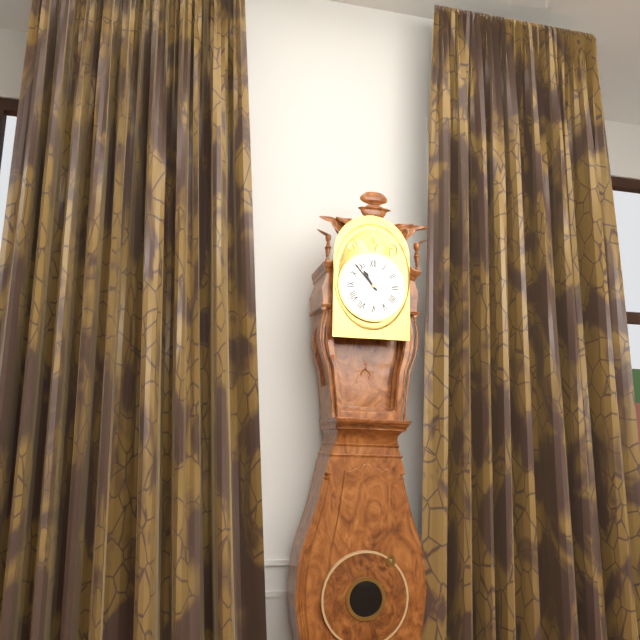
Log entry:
h=10 m=53
